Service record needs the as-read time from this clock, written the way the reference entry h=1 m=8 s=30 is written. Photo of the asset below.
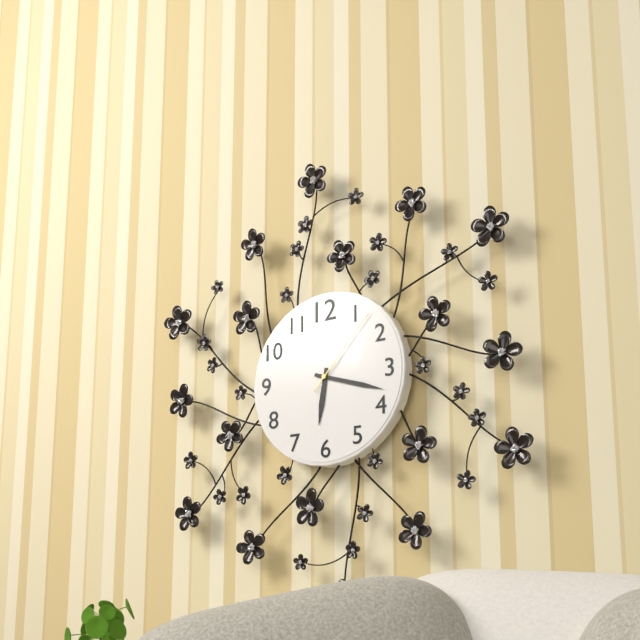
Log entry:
h=6 m=18 s=7
